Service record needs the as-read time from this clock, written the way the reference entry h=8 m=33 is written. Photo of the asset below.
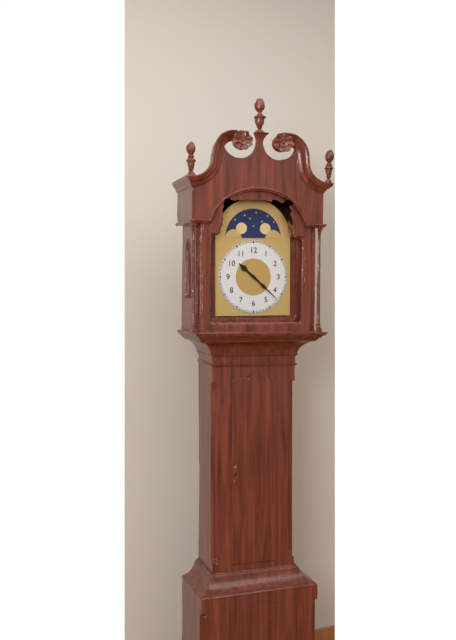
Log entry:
h=10 m=22
